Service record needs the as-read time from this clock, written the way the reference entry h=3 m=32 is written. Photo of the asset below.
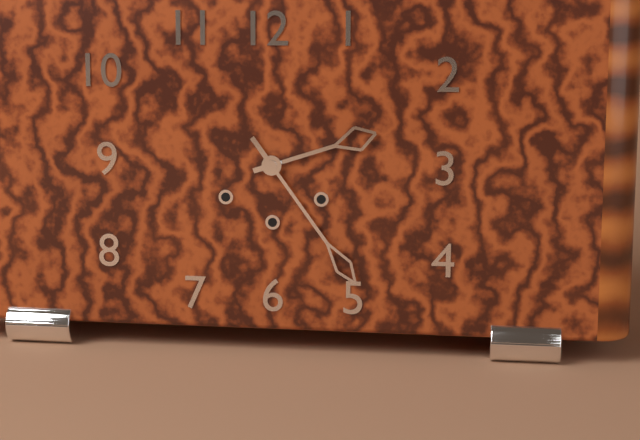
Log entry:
h=2 m=24
